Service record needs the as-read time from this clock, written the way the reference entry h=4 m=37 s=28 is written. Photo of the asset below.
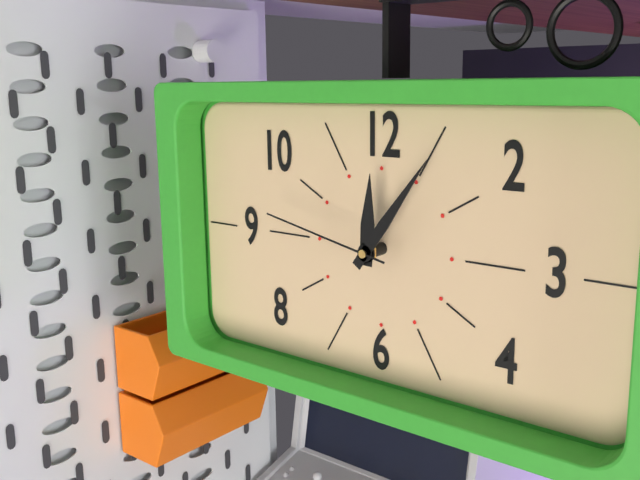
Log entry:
h=12 m=6 s=47
